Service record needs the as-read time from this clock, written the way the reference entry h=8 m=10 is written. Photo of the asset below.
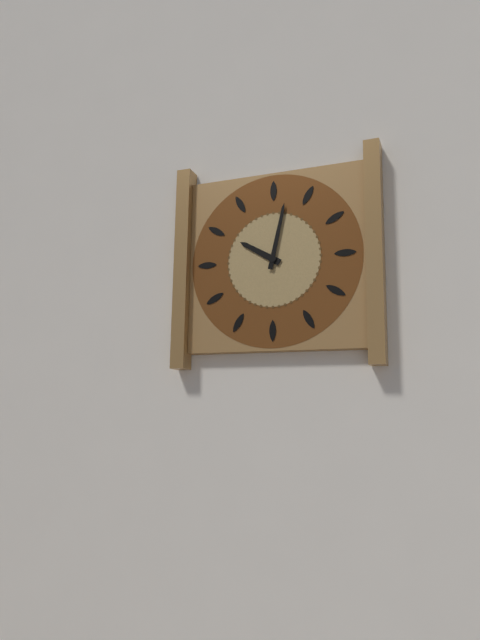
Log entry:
h=10 m=2
